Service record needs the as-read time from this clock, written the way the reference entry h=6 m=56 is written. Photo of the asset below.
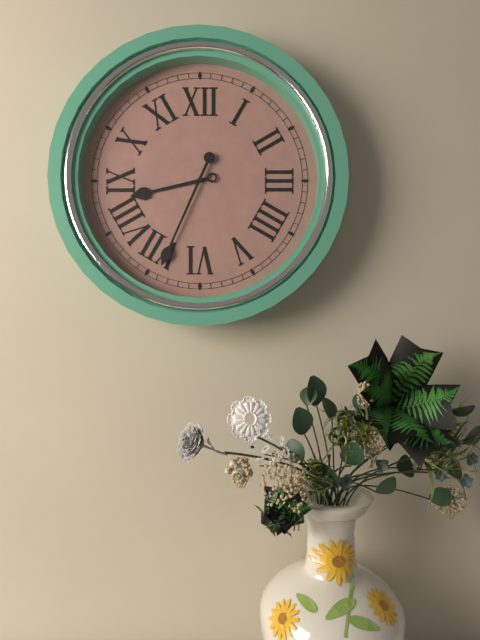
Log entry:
h=8 m=34
